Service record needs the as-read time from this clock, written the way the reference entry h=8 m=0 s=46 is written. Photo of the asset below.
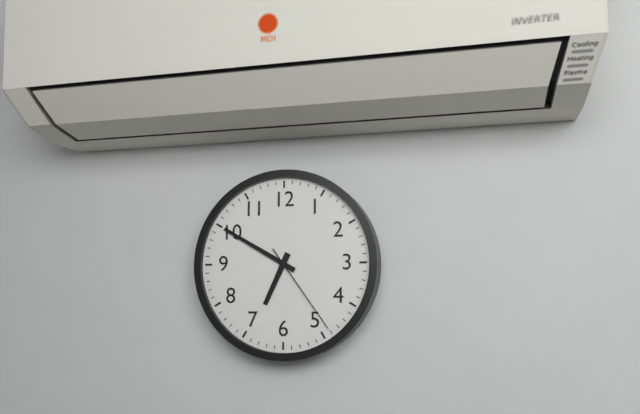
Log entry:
h=6 m=50 s=24
